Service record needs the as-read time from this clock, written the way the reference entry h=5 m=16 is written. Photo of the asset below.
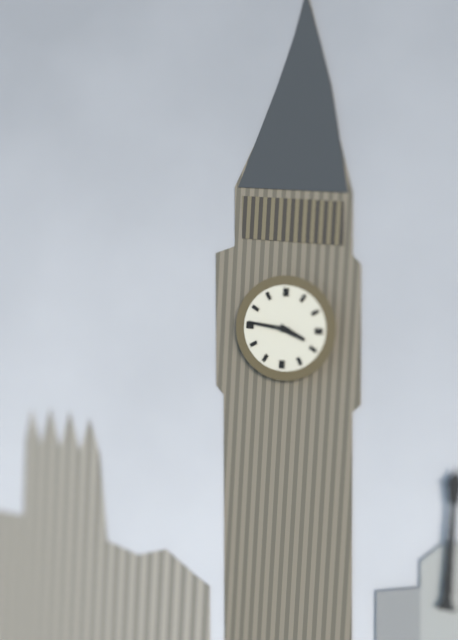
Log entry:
h=3 m=46
